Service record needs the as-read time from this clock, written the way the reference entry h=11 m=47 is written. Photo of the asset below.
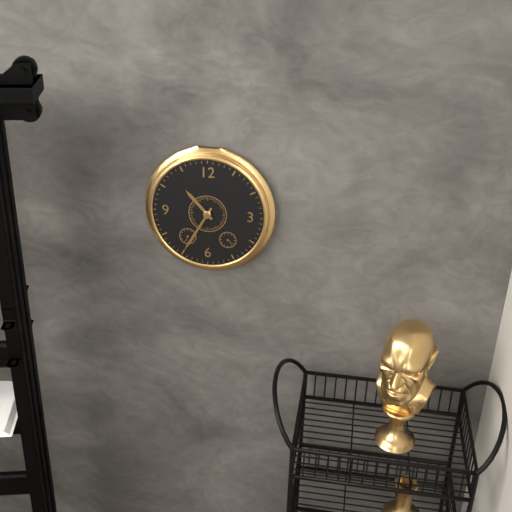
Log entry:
h=10 m=35
